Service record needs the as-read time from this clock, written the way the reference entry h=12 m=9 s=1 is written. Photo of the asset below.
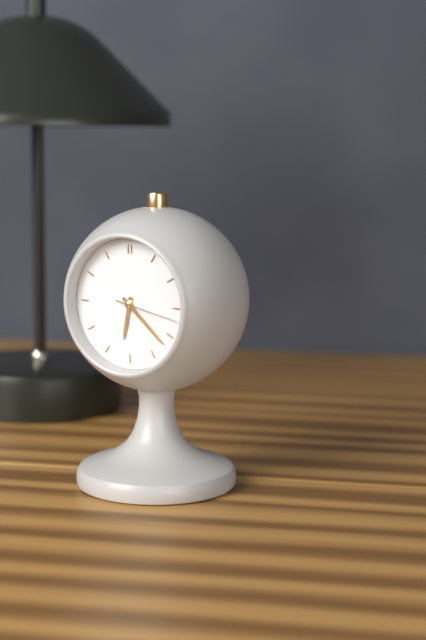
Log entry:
h=6 m=22 s=17
